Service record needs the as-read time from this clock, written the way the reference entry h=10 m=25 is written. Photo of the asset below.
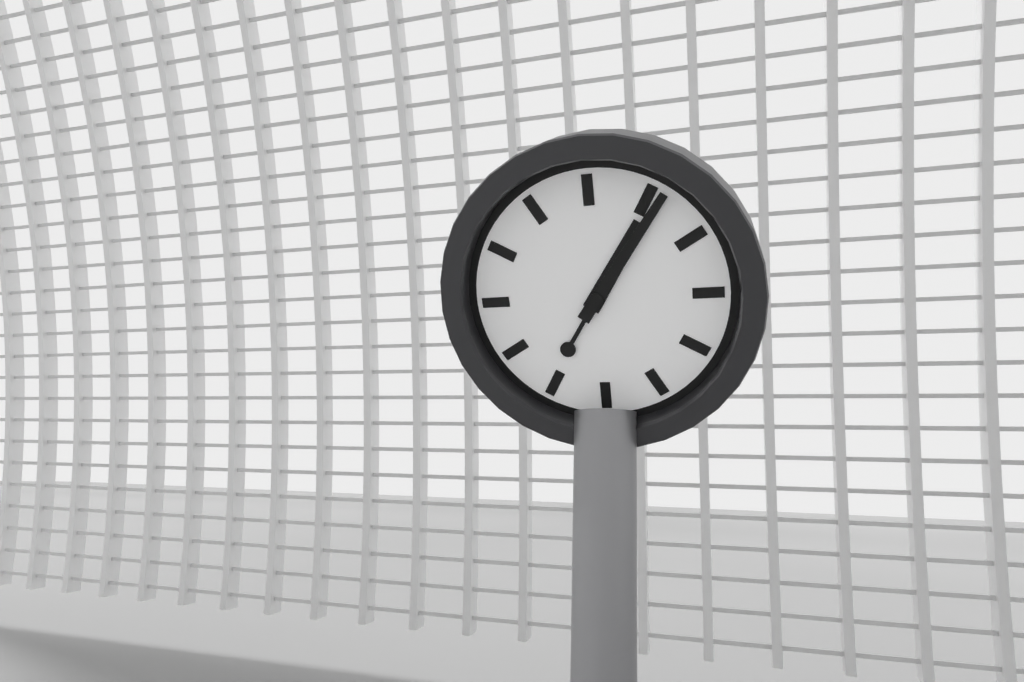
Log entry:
h=1 m=6
